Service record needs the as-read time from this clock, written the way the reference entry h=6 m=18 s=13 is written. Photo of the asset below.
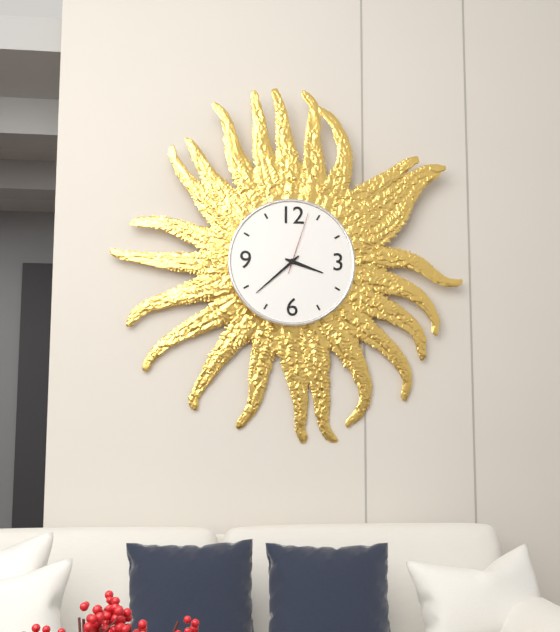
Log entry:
h=3 m=38 s=3
